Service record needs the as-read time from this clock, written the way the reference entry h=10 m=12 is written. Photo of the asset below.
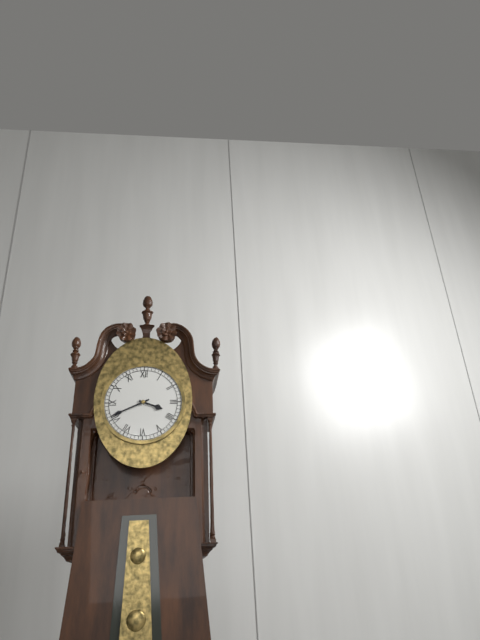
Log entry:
h=3 m=41
